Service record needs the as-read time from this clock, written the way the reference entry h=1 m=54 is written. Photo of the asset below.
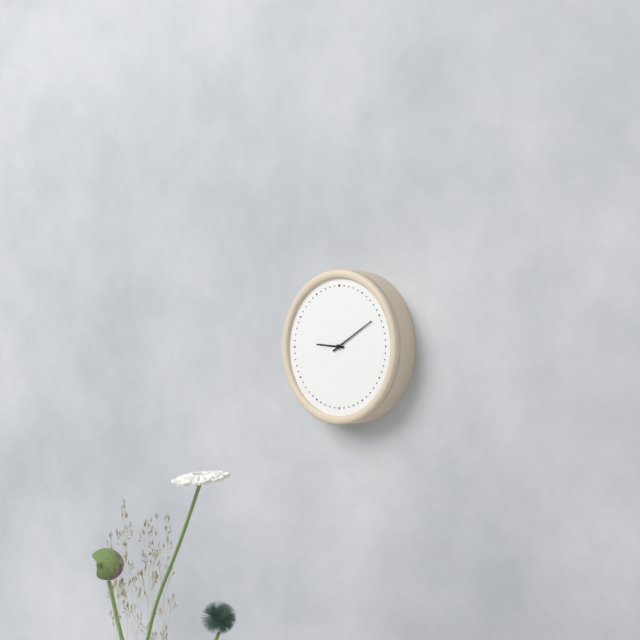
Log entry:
h=9 m=10
